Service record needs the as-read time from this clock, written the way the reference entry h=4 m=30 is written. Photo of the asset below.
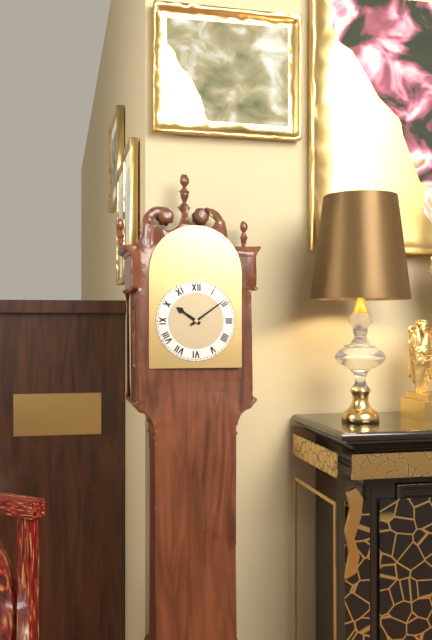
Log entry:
h=10 m=9
